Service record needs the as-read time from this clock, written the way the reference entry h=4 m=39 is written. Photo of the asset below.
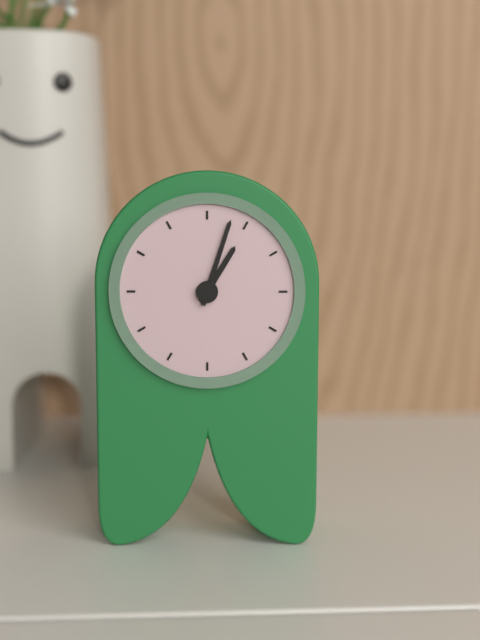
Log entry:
h=1 m=3
